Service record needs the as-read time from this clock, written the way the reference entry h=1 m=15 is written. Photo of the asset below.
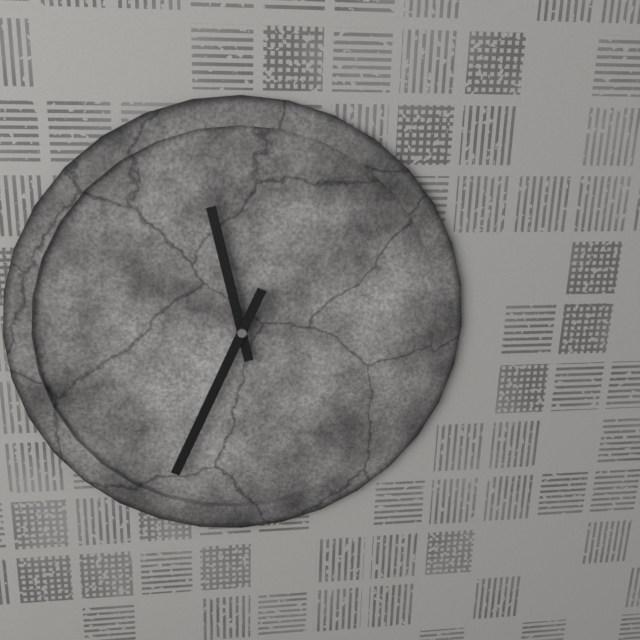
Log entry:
h=11 m=34
